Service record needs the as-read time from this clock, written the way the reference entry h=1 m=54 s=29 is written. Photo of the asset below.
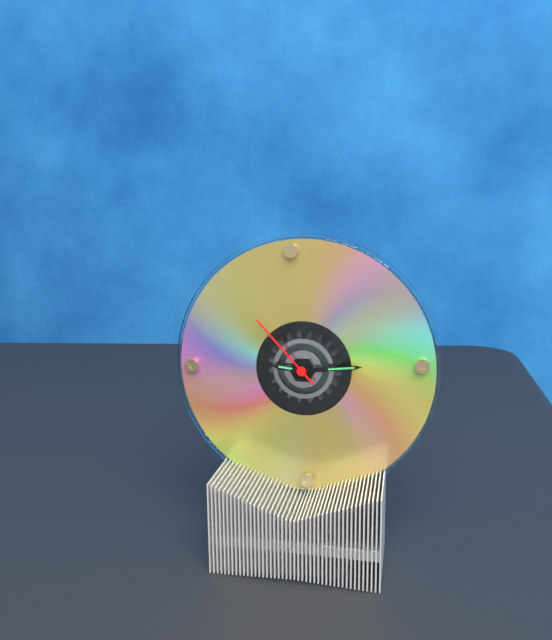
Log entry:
h=9 m=14 s=53
